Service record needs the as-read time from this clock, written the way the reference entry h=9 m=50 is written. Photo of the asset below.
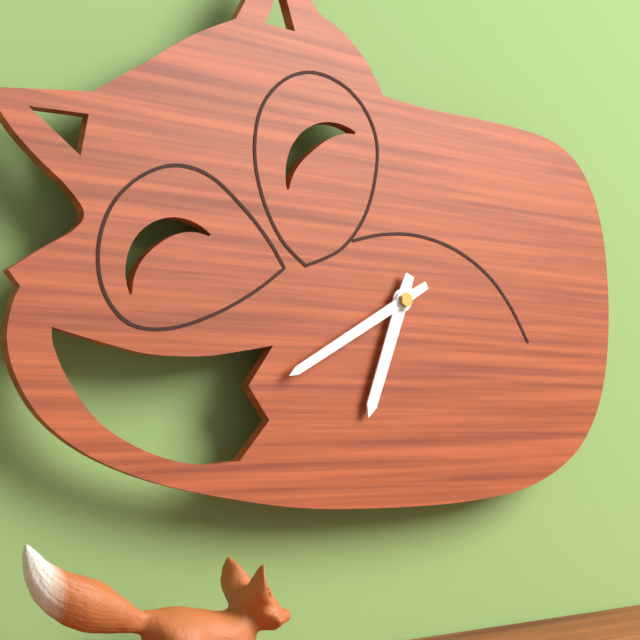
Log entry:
h=6 m=40
